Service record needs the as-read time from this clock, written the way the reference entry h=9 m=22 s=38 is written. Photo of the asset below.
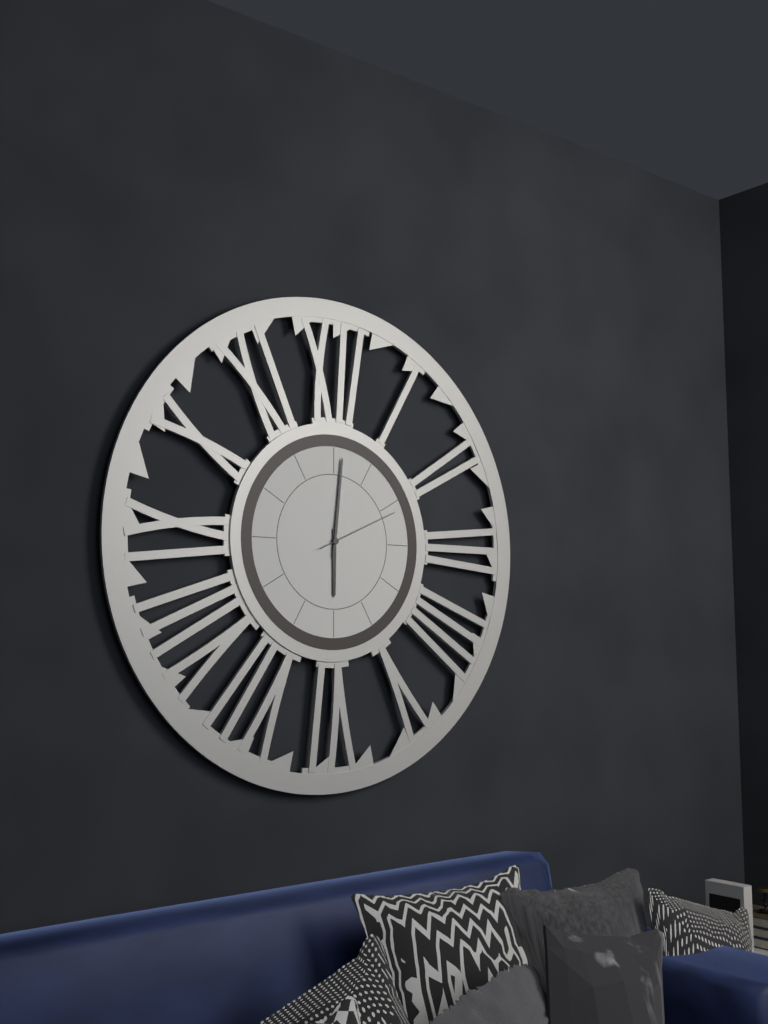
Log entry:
h=6 m=1 s=11
